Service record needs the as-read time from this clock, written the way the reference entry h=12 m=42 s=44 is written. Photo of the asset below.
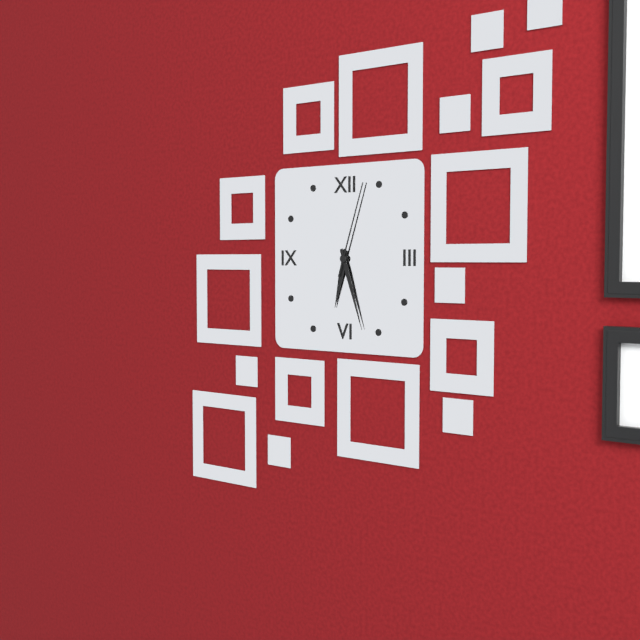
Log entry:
h=6 m=27 s=3
